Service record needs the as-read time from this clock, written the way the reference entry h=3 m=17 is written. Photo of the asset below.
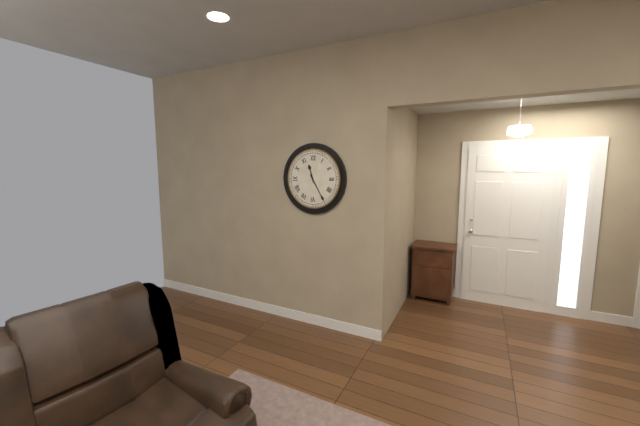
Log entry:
h=11 m=25
